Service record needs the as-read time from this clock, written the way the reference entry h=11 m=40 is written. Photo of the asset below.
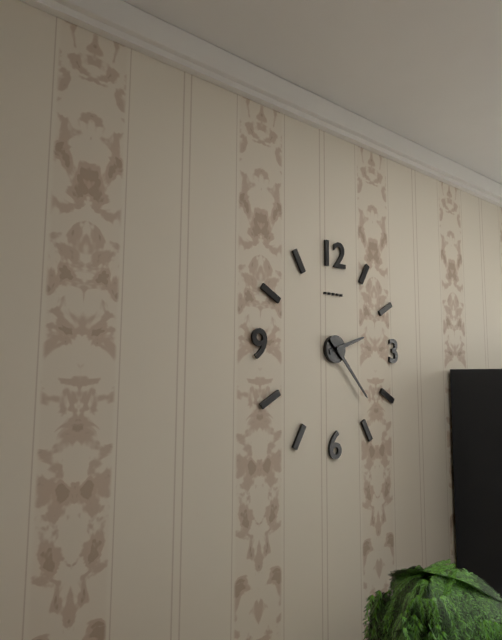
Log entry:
h=2 m=23
